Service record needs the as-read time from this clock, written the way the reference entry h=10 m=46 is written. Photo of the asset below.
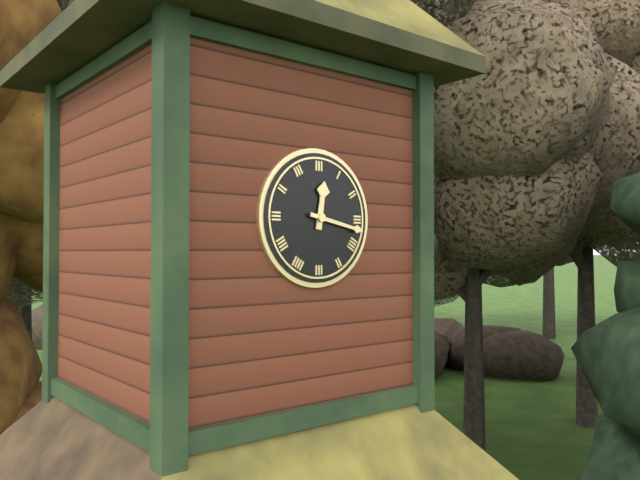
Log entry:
h=12 m=17
